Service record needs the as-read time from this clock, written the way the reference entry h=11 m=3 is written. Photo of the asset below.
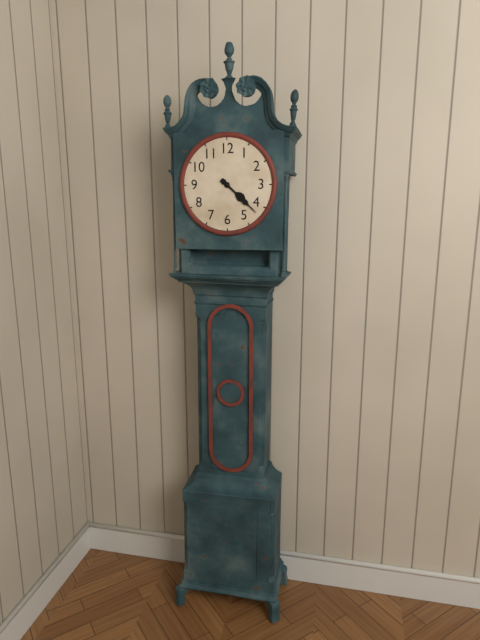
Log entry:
h=4 m=22
